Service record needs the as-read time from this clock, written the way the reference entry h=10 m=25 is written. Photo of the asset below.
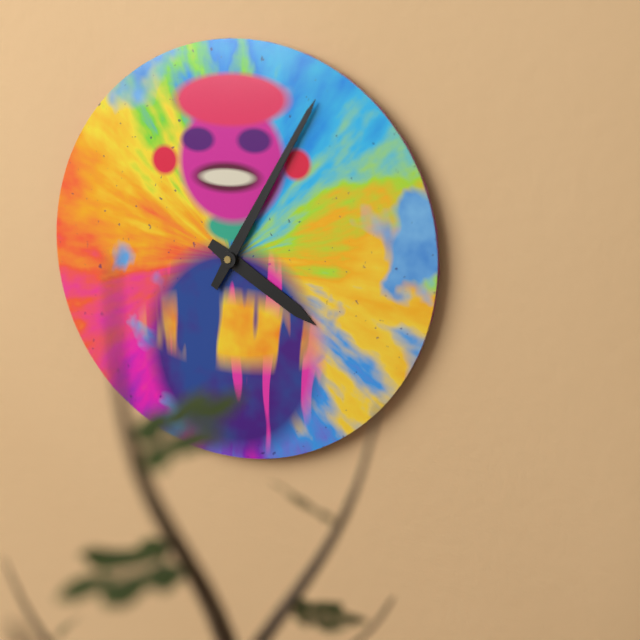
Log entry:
h=4 m=5
